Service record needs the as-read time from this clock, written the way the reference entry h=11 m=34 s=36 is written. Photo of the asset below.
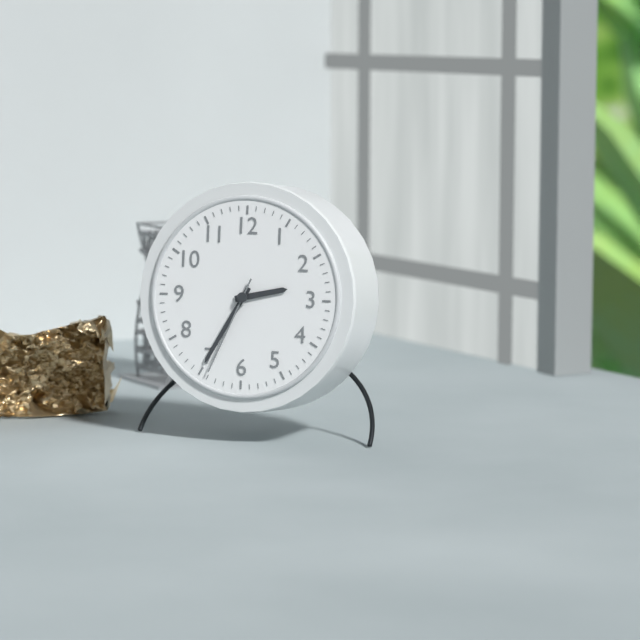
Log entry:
h=2 m=35 s=34
